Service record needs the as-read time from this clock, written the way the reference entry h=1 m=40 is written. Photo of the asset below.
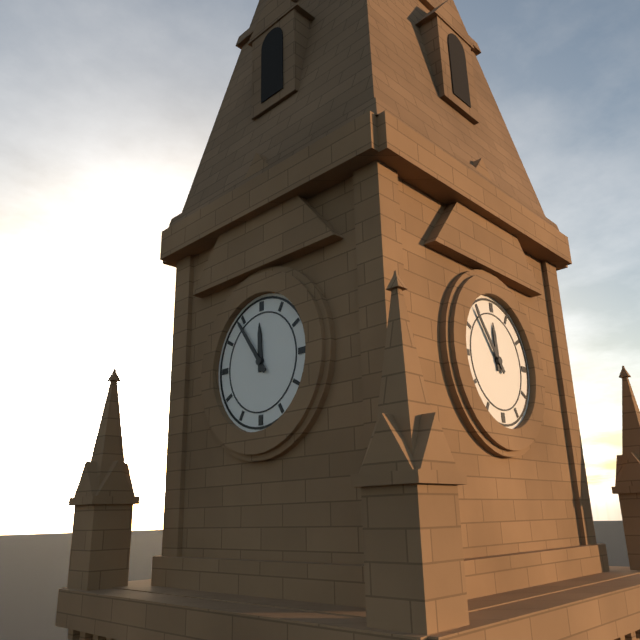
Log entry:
h=11 m=54
